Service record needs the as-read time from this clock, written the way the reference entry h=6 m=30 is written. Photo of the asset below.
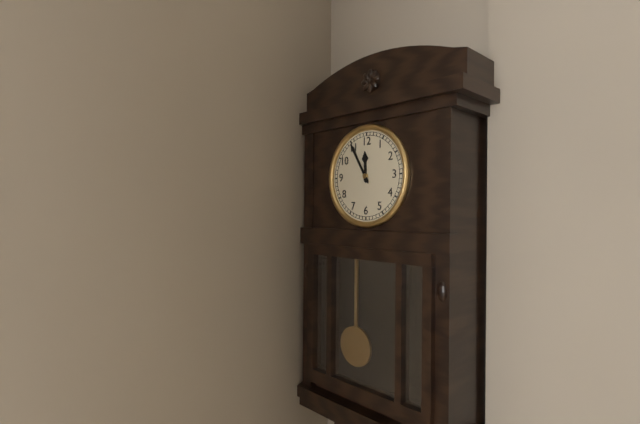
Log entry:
h=11 m=55
